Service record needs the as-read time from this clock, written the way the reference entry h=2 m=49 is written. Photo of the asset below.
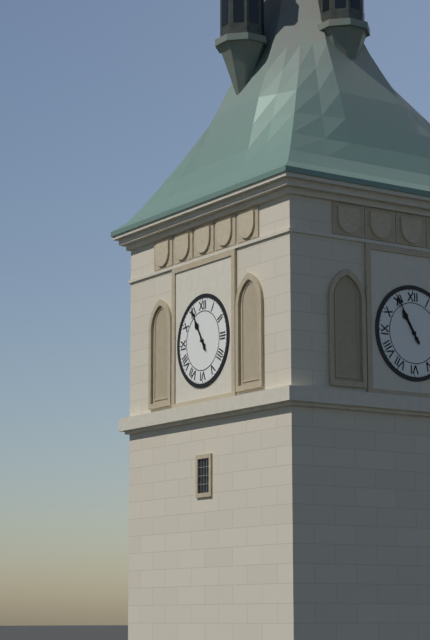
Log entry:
h=10 m=55
